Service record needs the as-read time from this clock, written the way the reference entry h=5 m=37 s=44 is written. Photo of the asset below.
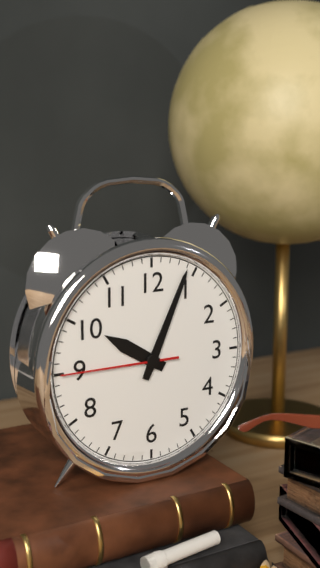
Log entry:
h=10 m=4 s=45
